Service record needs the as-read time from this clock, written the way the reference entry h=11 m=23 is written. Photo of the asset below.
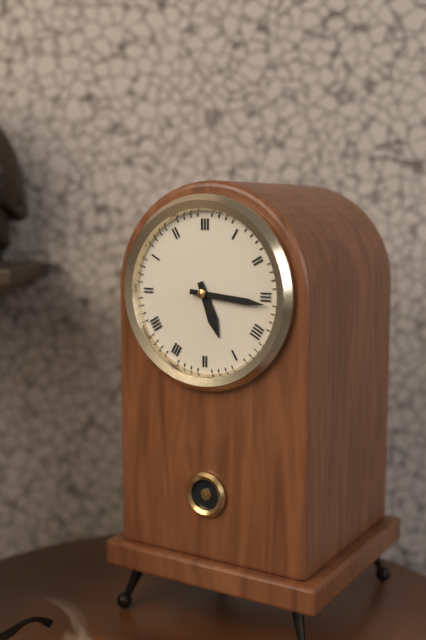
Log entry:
h=5 m=16
